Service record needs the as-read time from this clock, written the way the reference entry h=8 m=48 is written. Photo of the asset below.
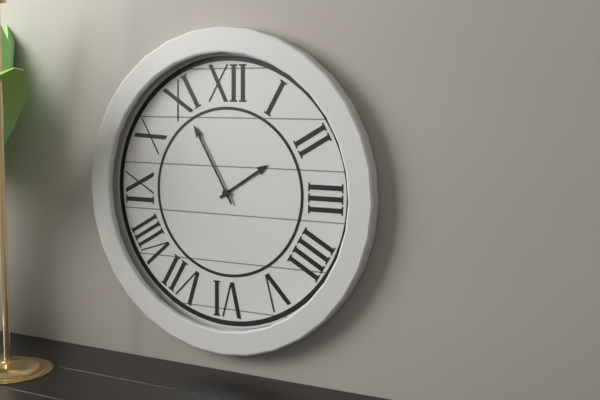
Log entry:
h=1 m=55
